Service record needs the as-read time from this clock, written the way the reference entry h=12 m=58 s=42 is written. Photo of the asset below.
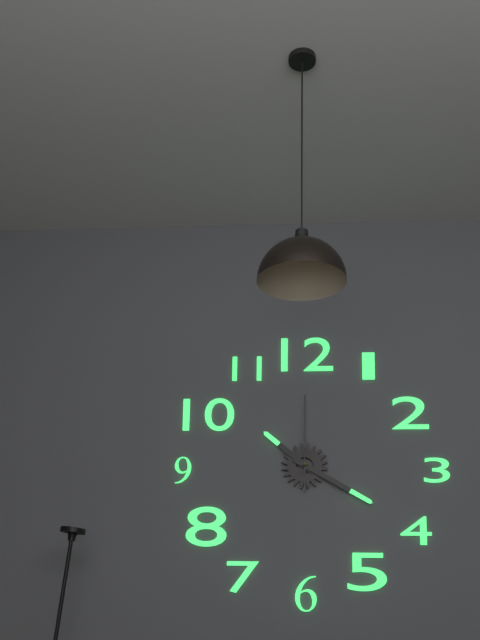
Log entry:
h=10 m=20 s=0
